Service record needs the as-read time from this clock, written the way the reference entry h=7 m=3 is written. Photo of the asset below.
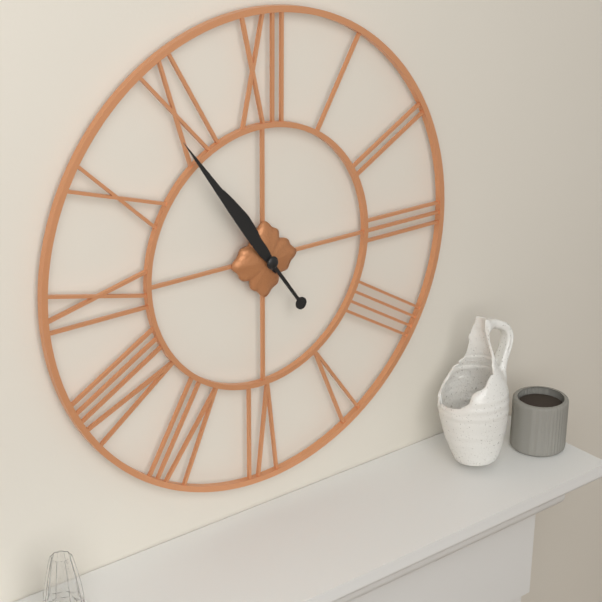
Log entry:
h=10 m=54
